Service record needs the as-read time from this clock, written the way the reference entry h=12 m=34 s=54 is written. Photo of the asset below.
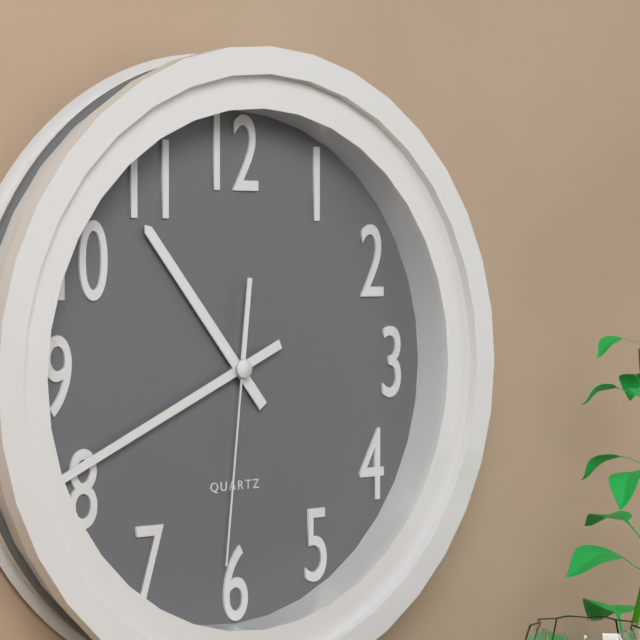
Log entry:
h=10 m=41 s=31
